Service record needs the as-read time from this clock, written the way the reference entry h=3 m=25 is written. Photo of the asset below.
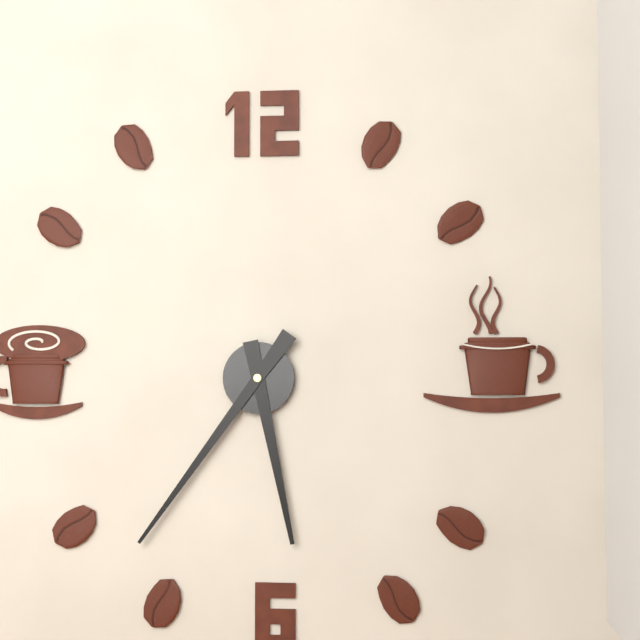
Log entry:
h=5 m=36
